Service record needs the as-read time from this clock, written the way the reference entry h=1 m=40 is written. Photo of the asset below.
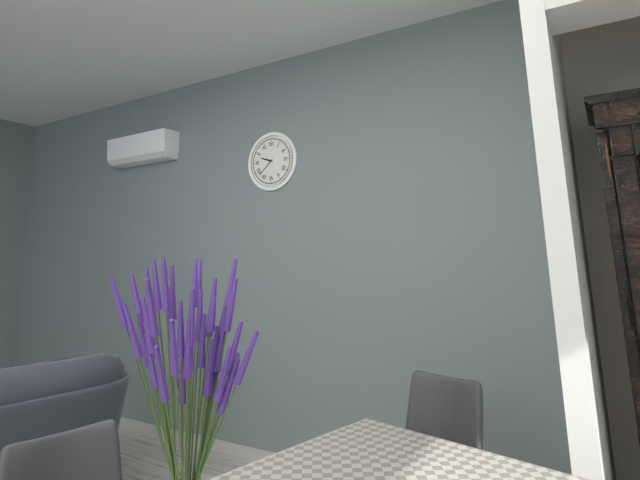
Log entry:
h=9 m=38
